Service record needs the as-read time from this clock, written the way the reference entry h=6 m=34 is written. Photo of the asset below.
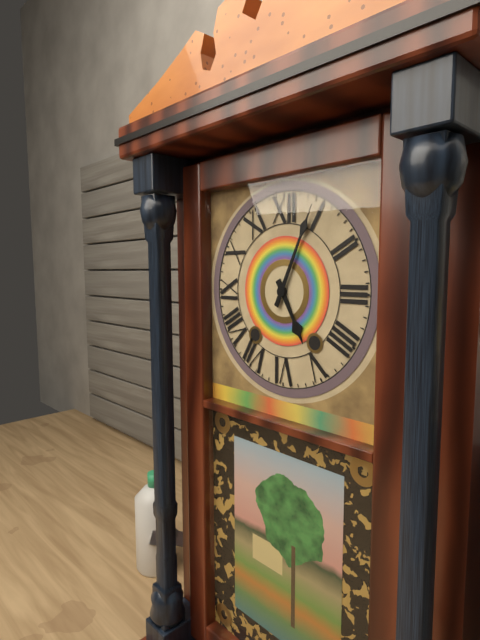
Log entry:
h=5 m=4
